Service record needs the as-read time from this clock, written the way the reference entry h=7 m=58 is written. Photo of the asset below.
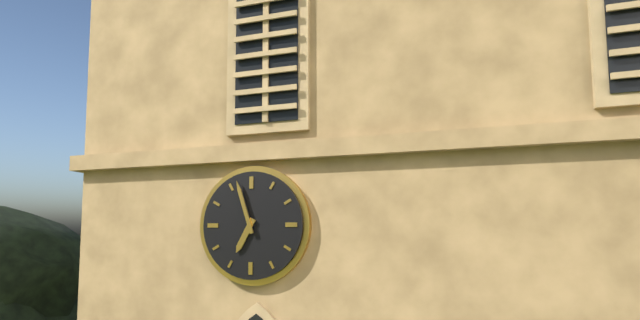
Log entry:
h=6 m=57
